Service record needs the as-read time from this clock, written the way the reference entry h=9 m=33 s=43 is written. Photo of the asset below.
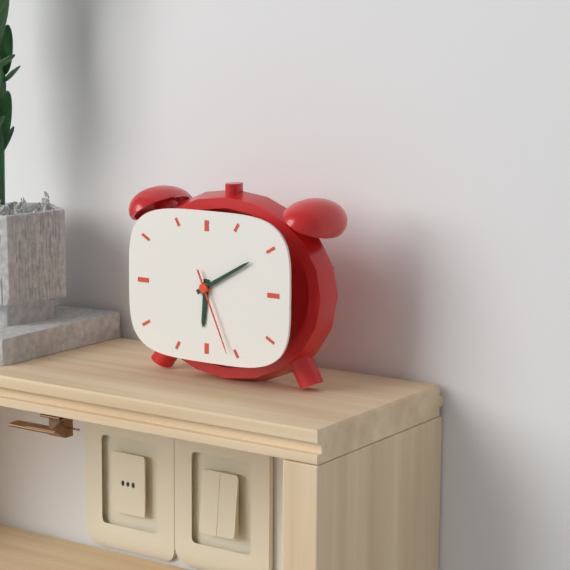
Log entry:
h=6 m=10 s=26
